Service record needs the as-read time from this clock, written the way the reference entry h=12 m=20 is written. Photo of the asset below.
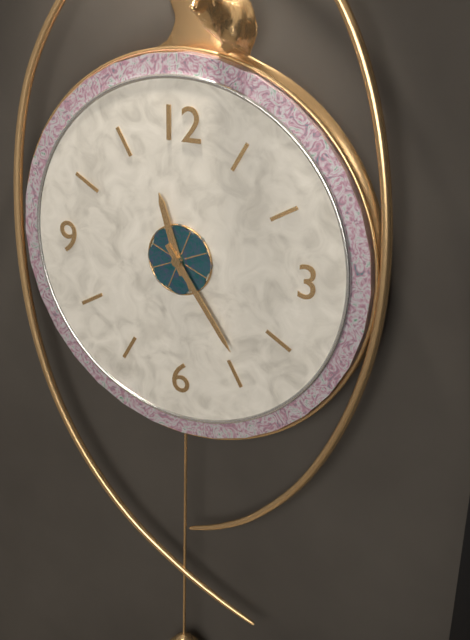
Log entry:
h=11 m=24
